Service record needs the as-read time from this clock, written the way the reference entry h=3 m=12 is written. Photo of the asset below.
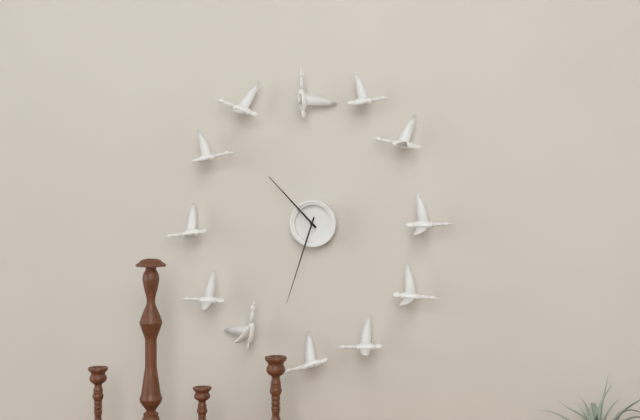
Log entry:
h=10 m=33
